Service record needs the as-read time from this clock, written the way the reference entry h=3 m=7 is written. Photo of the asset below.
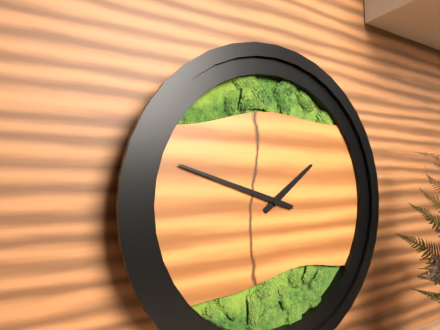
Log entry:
h=1 m=48
